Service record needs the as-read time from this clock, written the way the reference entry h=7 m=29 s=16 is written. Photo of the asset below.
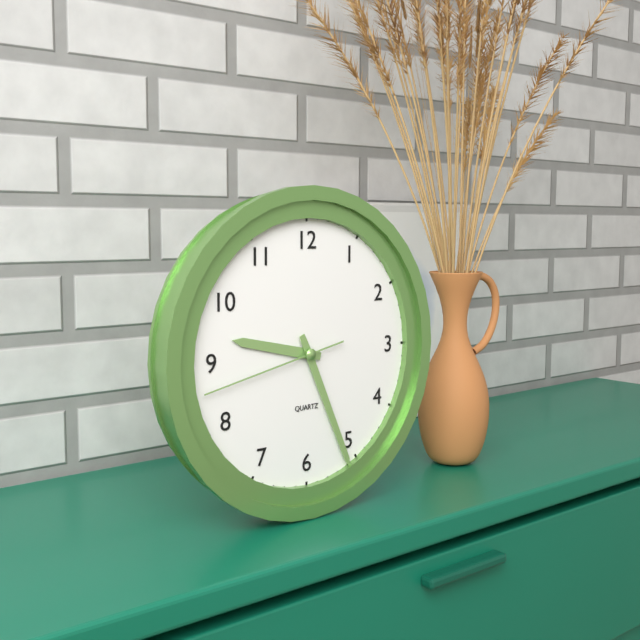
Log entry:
h=9 m=26 s=43
